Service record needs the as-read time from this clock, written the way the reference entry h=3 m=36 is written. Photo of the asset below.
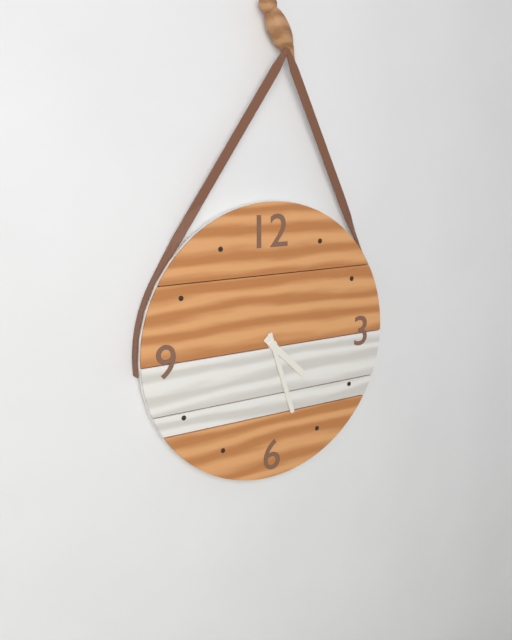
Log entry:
h=4 m=27
